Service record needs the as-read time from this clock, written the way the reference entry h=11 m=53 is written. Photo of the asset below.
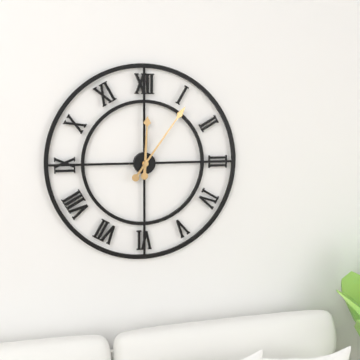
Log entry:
h=12 m=6
